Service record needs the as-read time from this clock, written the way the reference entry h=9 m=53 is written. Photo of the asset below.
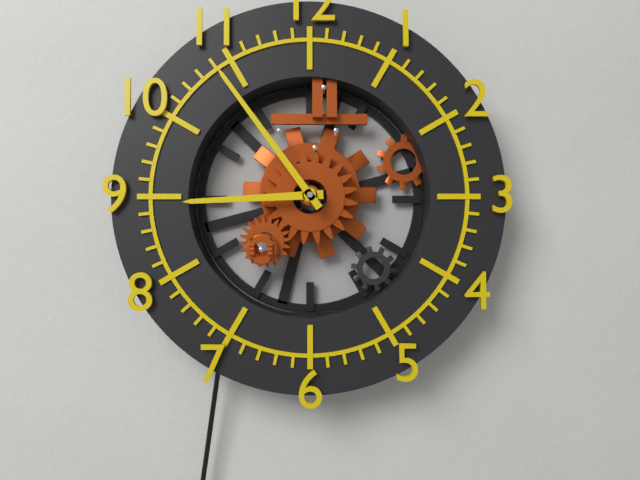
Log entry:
h=8 m=54
